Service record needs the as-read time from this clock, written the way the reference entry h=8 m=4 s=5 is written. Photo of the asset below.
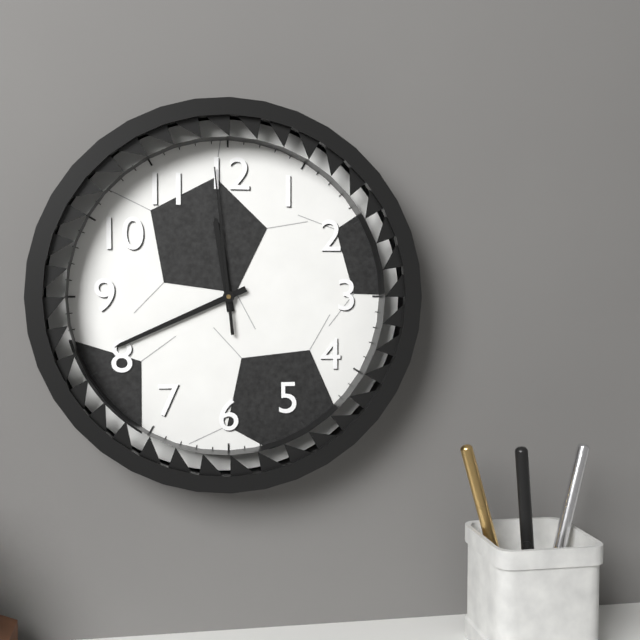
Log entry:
h=11 m=41 s=59
